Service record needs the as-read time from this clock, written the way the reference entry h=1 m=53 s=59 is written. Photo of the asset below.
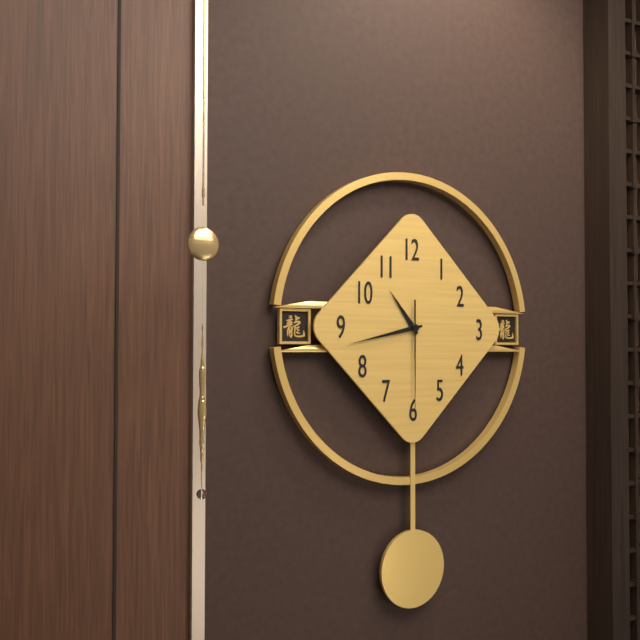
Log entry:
h=10 m=43 s=30
